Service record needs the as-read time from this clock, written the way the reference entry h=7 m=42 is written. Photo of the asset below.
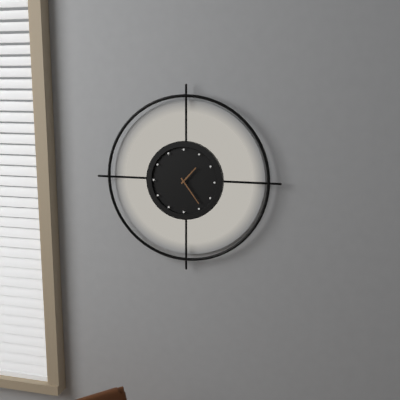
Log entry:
h=1 m=24
